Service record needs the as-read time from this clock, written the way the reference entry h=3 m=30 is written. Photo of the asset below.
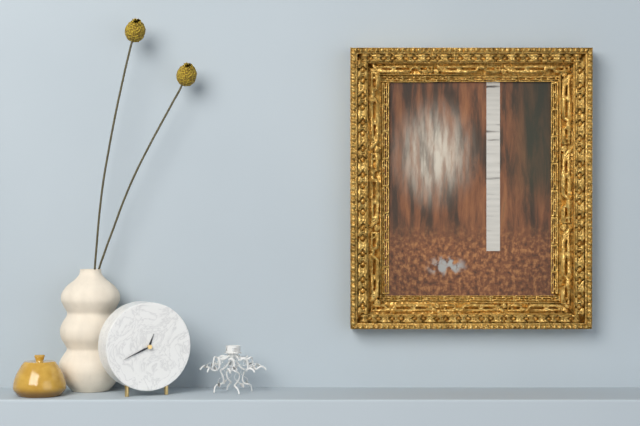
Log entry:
h=12 m=41
